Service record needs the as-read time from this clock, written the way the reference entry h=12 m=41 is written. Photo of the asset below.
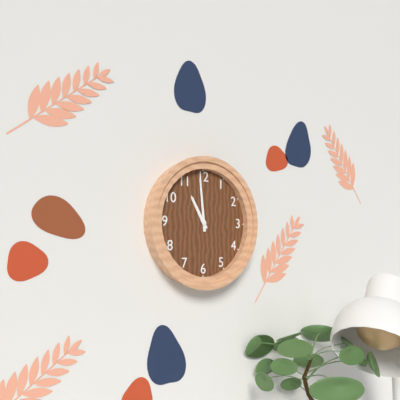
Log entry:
h=10 m=59
